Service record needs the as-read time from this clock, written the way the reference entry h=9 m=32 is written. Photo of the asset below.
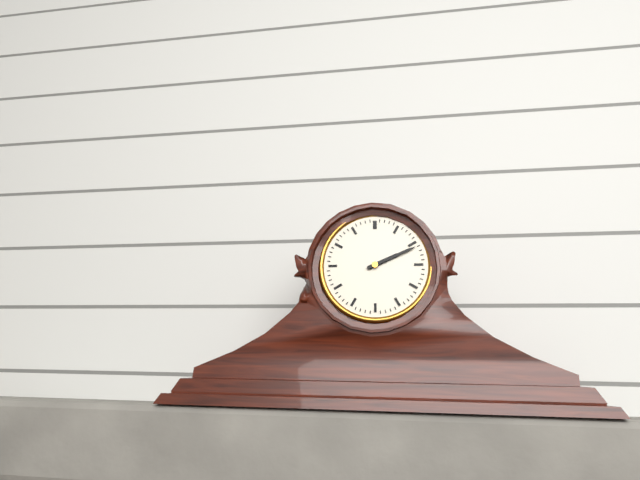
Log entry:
h=2 m=11
